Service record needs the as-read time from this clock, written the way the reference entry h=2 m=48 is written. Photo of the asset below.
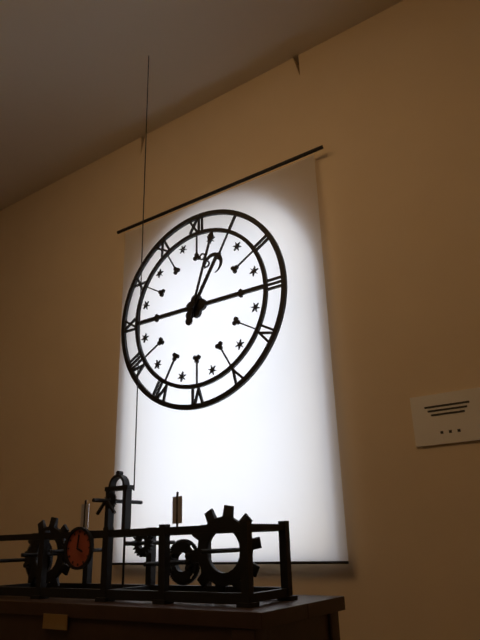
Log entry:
h=1 m=3
